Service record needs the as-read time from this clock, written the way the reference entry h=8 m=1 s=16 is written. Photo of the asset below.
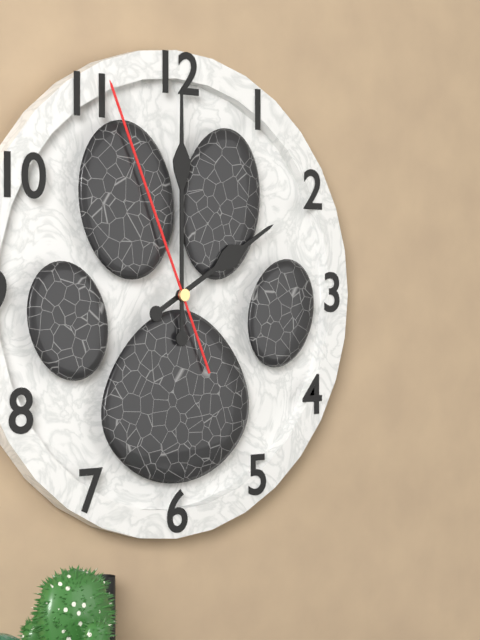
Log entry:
h=2 m=0 s=56
